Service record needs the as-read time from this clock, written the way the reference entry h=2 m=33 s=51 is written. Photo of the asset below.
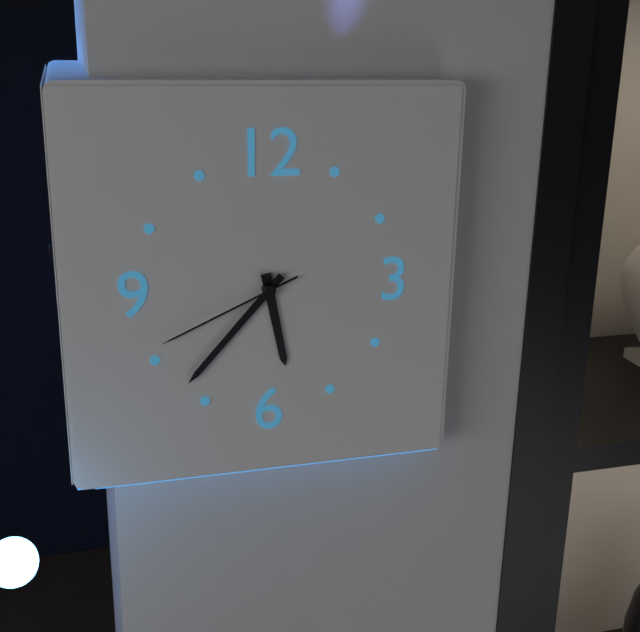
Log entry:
h=5 m=37 s=41
